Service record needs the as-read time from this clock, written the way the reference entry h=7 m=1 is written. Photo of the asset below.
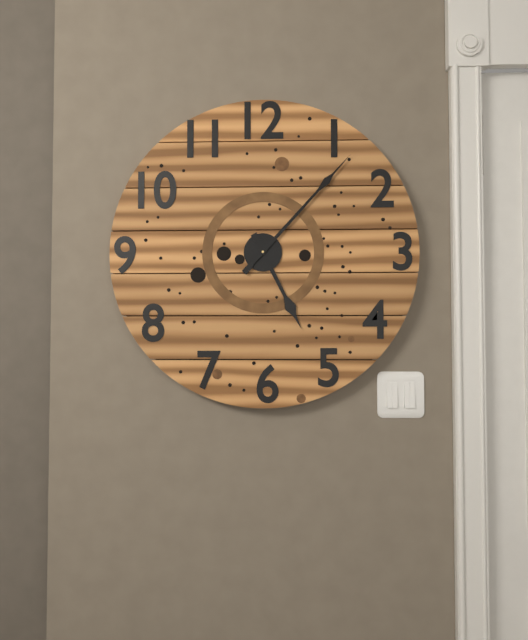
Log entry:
h=5 m=7
